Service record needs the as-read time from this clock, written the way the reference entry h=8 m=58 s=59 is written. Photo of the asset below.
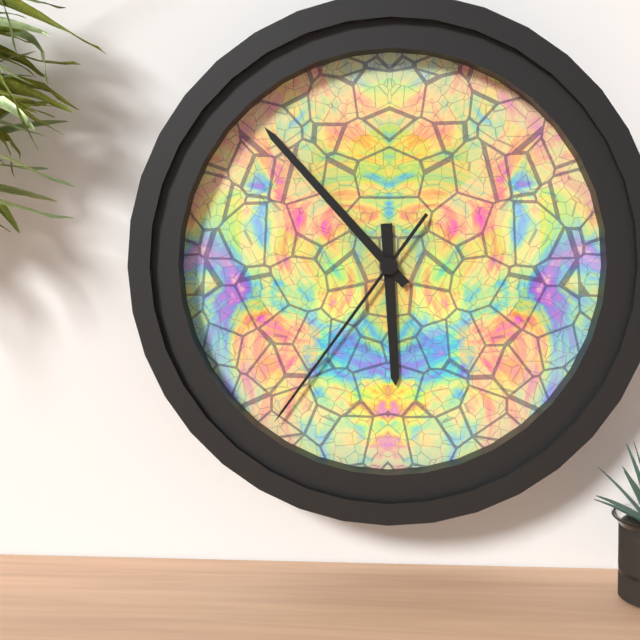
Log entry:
h=5 m=53 s=36
